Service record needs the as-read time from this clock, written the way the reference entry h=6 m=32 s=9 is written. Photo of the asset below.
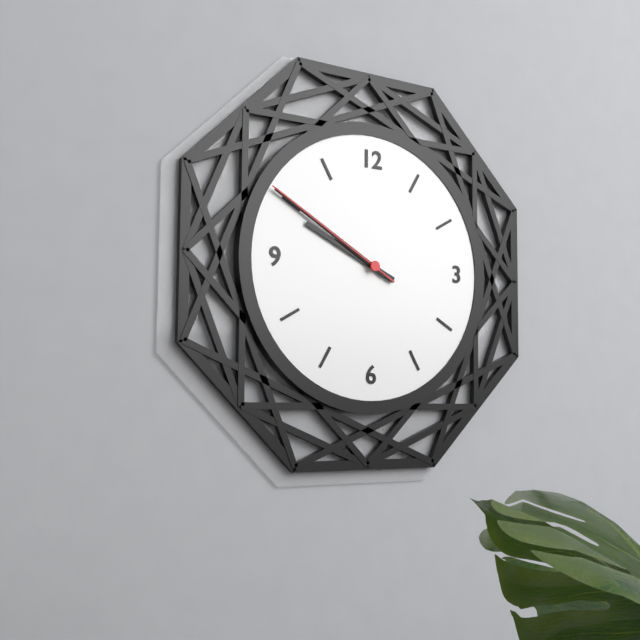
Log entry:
h=9 m=50 s=50
